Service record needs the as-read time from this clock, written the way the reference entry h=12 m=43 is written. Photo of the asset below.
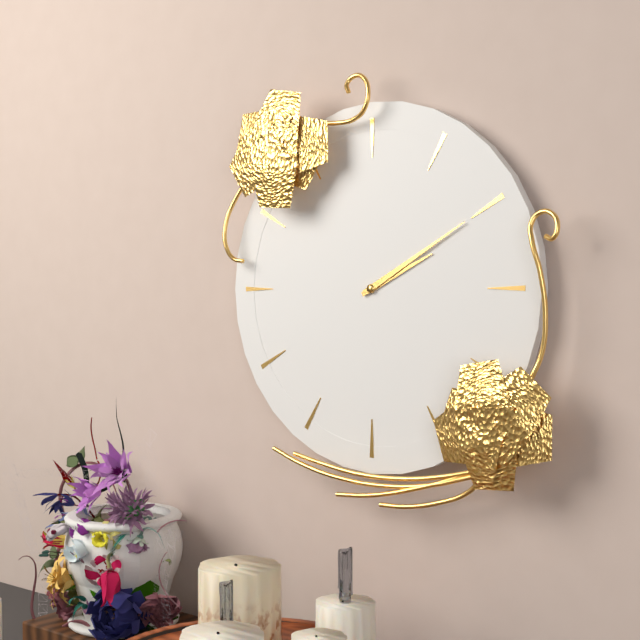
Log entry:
h=2 m=10
